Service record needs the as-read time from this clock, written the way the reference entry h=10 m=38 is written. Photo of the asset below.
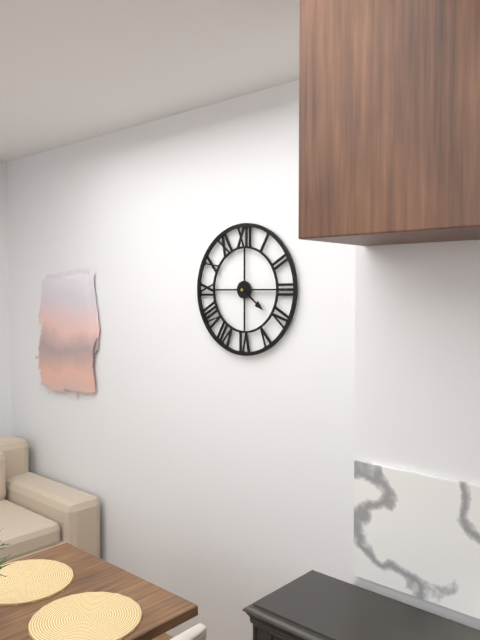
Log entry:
h=4 m=15
